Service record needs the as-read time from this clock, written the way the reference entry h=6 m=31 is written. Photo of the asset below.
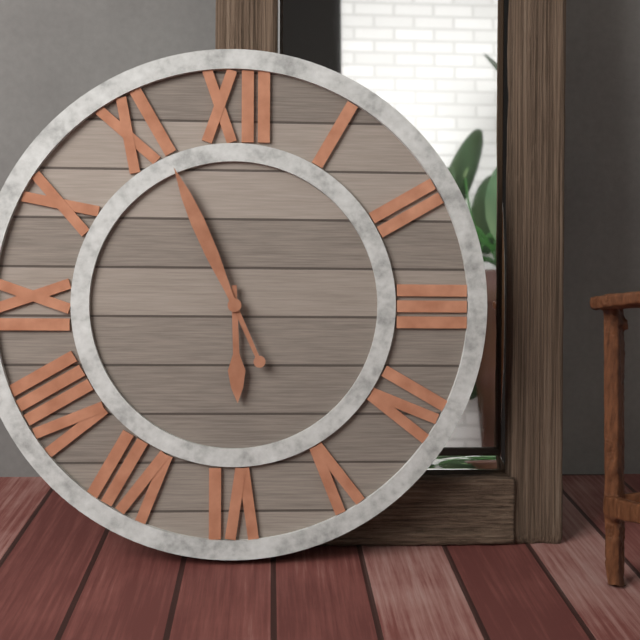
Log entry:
h=5 m=56
